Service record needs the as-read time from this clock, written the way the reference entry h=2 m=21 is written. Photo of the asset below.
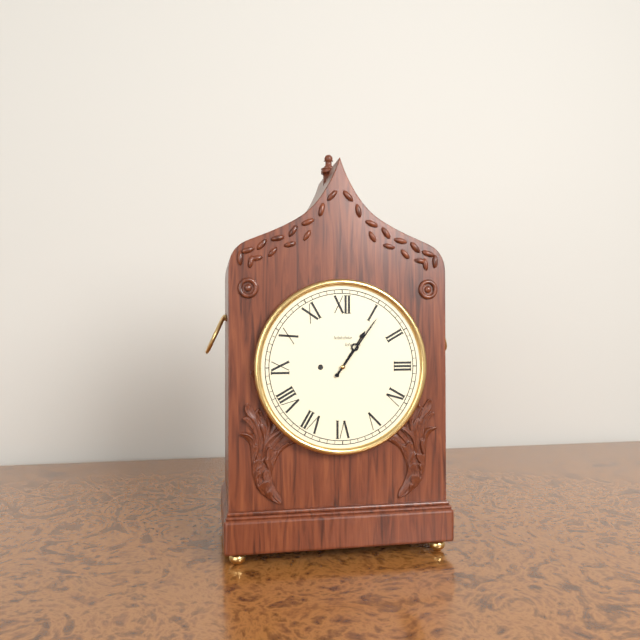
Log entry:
h=1 m=6
